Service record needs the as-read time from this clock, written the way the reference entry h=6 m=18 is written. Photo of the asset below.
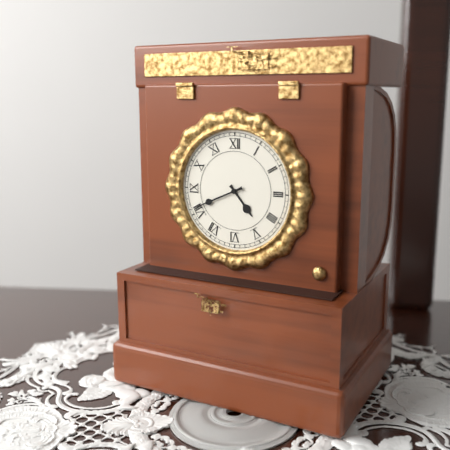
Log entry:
h=4 m=41
